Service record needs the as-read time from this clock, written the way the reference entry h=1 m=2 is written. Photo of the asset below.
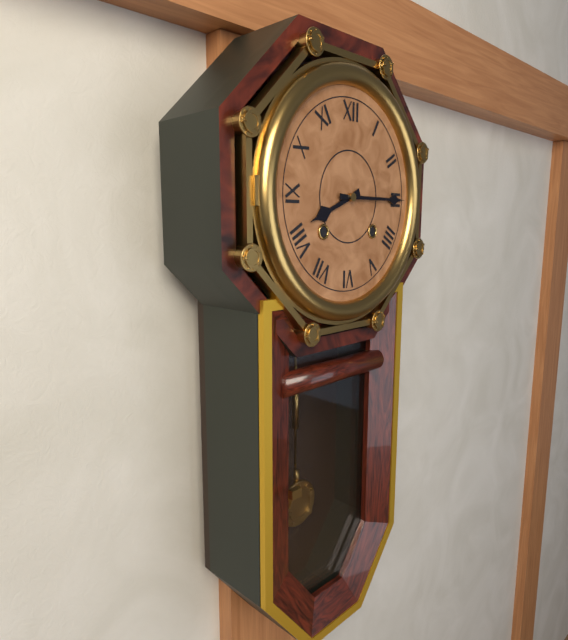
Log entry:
h=8 m=15
